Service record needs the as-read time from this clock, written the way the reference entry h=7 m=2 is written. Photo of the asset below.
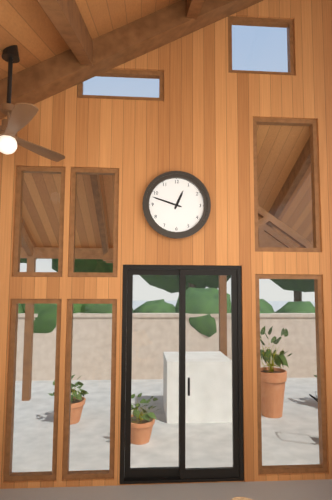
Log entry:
h=12 m=48
